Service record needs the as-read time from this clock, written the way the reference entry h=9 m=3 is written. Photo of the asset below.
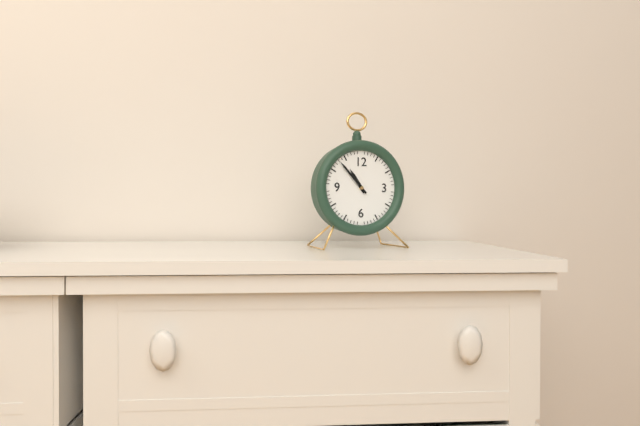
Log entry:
h=10 m=53
